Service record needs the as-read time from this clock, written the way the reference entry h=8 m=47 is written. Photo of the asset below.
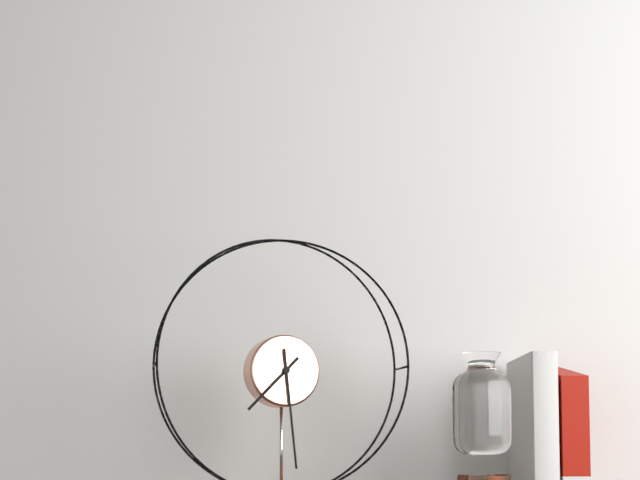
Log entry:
h=7 m=29
